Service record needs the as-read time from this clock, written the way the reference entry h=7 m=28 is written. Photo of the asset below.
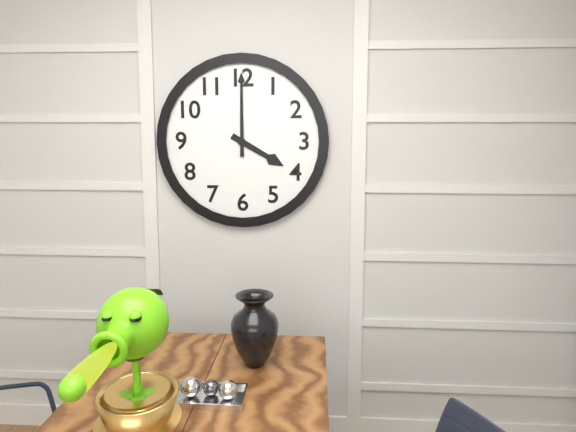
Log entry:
h=4 m=0
